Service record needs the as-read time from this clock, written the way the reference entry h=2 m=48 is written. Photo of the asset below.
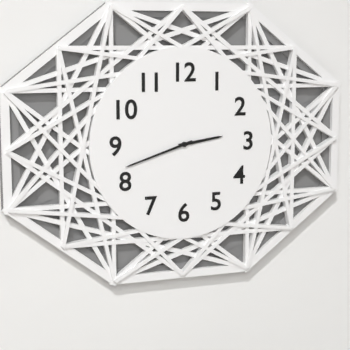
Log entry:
h=2 m=42
